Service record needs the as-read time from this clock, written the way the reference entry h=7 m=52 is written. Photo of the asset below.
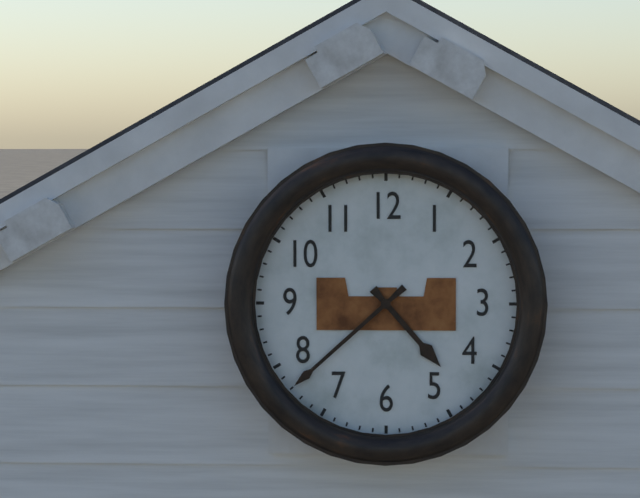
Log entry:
h=4 m=38
